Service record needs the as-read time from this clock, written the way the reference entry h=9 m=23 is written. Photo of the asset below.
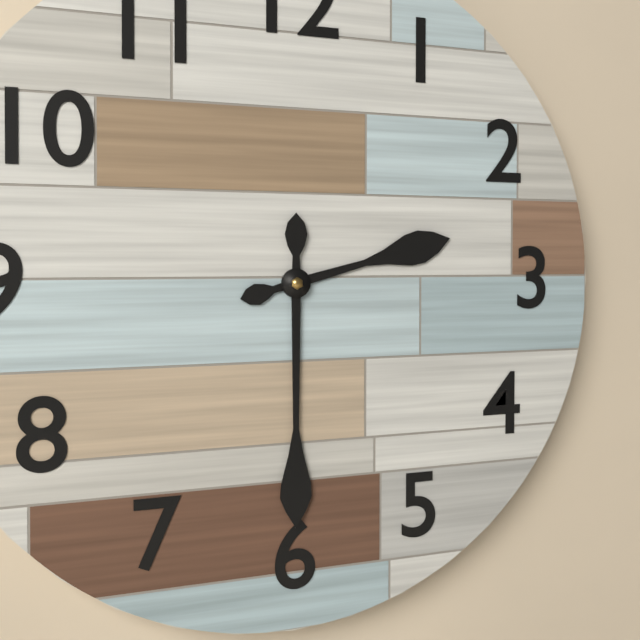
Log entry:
h=2 m=30
